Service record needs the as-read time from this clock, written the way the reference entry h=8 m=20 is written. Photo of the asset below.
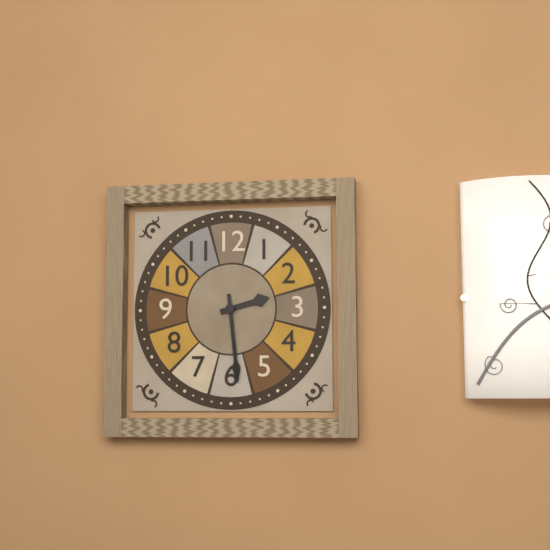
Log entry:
h=2 m=29
